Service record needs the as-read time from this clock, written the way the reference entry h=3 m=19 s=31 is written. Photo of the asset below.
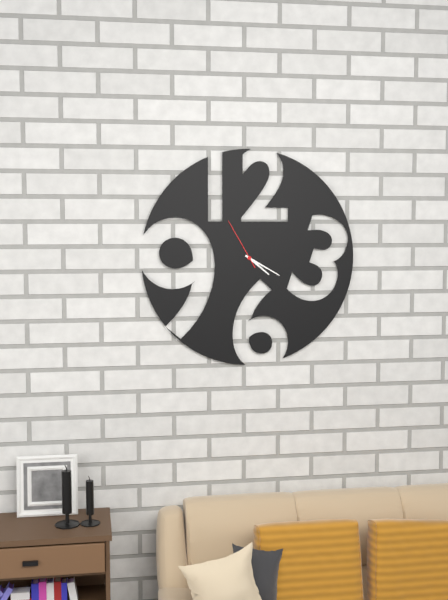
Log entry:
h=4 m=20 s=55
